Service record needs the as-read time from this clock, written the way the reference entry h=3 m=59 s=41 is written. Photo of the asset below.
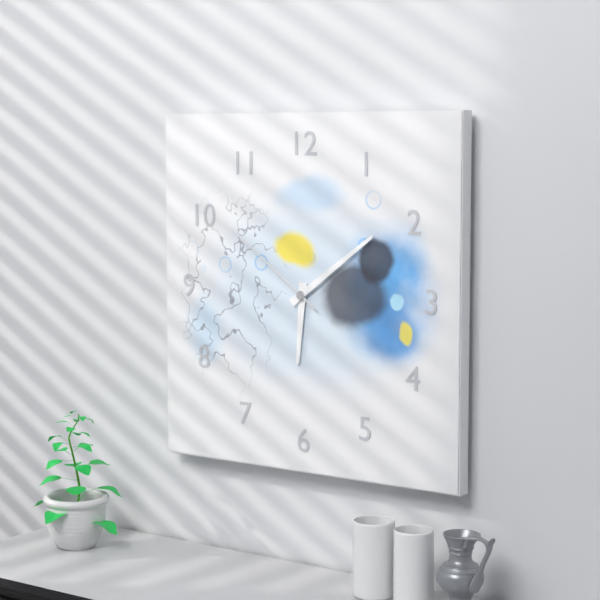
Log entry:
h=6 m=9 s=51
